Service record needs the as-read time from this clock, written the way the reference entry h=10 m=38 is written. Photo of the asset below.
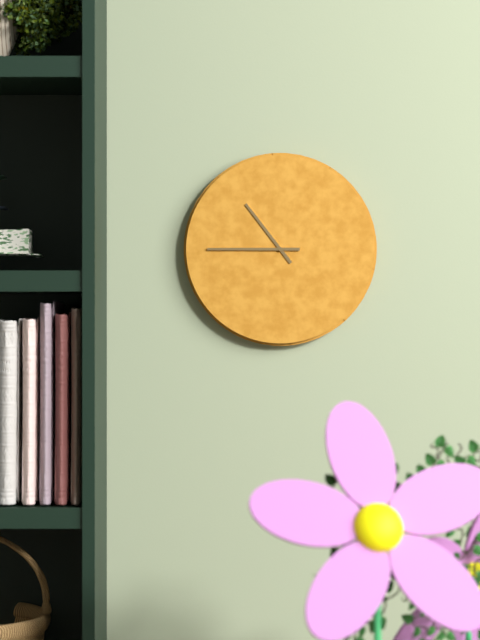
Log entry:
h=10 m=45
